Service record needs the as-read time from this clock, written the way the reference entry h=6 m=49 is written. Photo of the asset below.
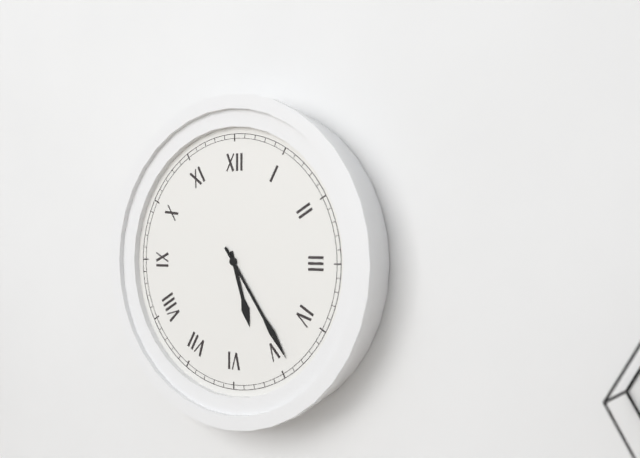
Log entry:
h=5 m=24
